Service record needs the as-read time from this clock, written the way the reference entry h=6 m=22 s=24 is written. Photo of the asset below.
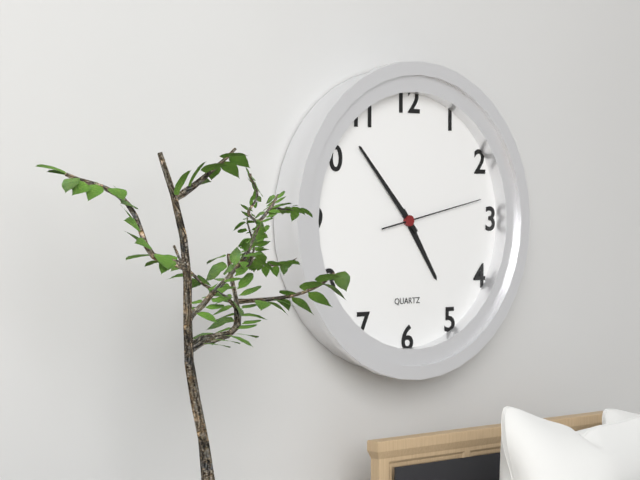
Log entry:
h=4 m=53 s=13
